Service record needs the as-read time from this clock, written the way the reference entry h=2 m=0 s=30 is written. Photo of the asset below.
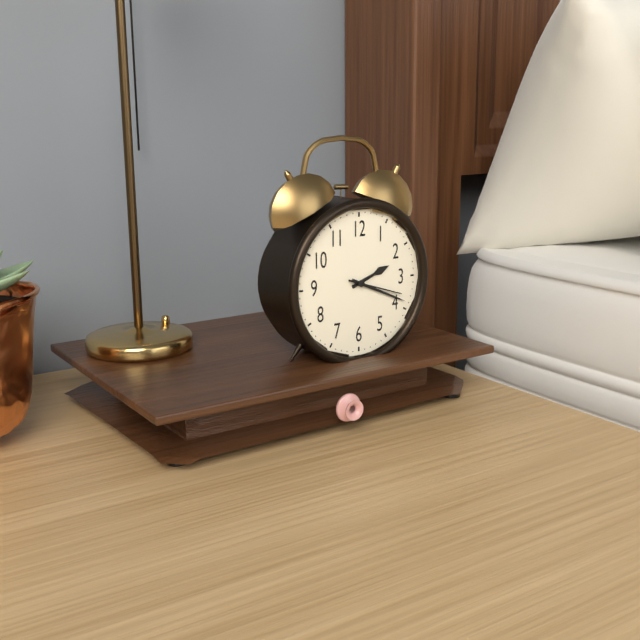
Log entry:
h=2 m=19 s=18
